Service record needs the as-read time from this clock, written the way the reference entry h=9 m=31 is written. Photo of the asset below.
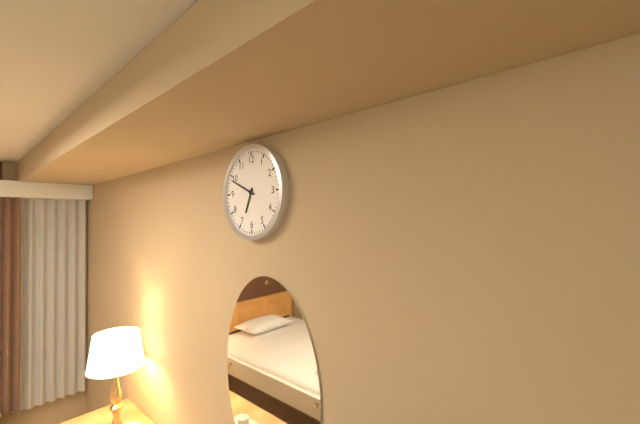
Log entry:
h=6 m=49
